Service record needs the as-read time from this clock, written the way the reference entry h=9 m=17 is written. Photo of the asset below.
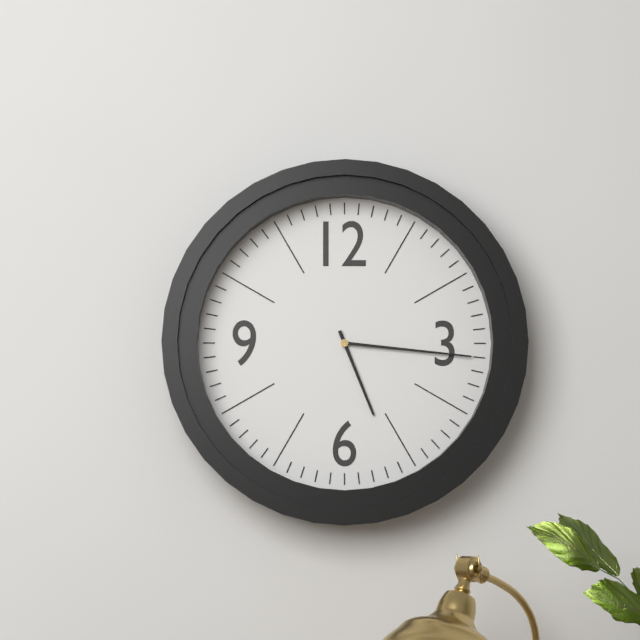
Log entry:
h=5 m=16
